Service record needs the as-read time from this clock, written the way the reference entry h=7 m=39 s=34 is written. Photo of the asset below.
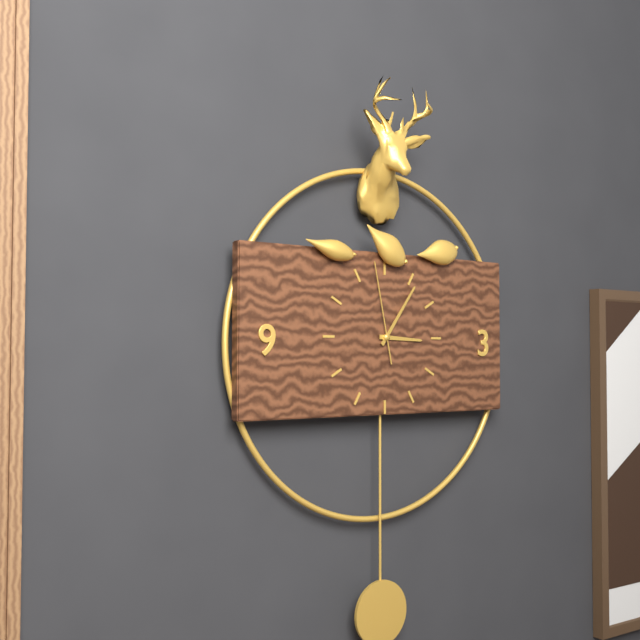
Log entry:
h=3 m=6 s=58
